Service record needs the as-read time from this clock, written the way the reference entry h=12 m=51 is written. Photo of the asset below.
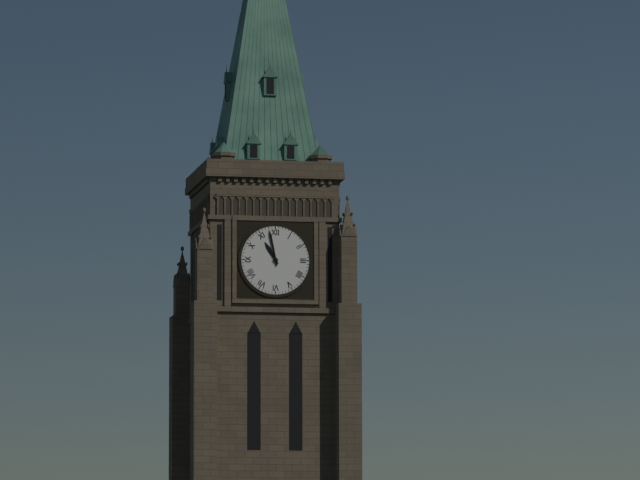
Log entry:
h=10 m=58
